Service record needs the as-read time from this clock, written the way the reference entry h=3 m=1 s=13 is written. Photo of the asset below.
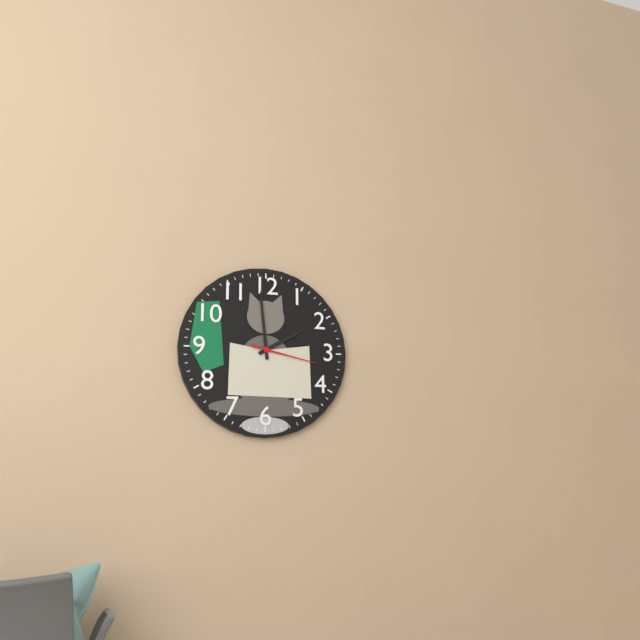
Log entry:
h=1 m=59 s=17
